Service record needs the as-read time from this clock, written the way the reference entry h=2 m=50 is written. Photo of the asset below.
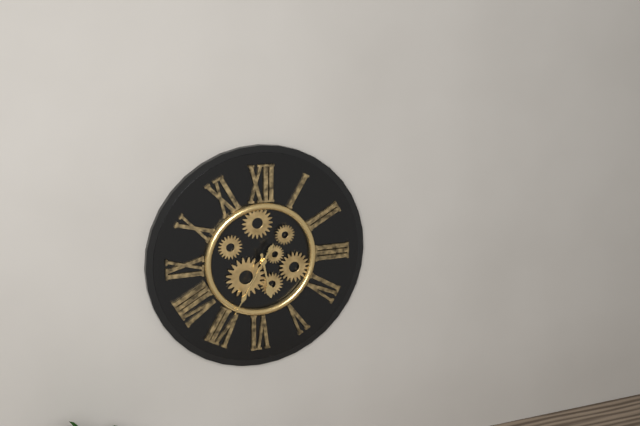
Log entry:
h=5 m=35
